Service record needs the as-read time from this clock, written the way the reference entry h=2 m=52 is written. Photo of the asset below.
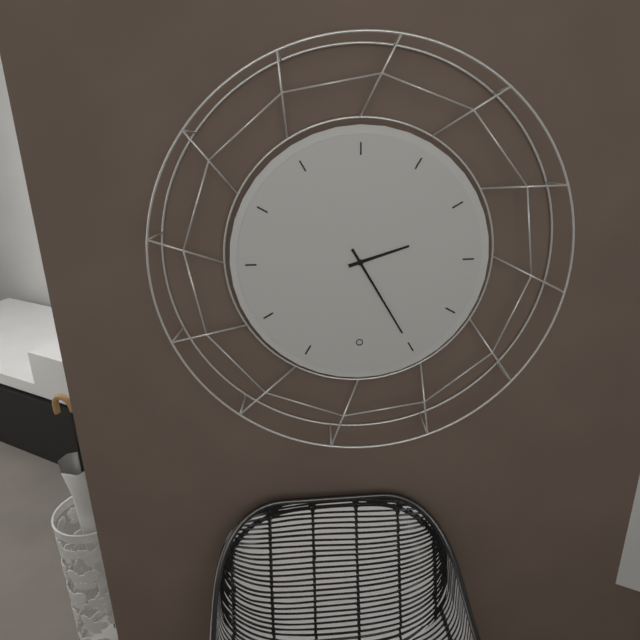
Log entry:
h=2 m=25
